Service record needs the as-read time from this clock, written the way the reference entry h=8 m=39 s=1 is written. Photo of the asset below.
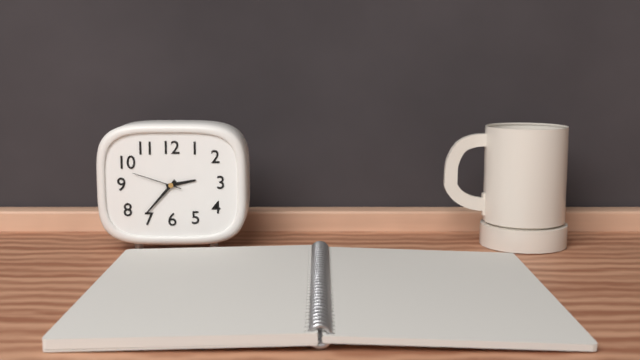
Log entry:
h=2 m=37 s=48
